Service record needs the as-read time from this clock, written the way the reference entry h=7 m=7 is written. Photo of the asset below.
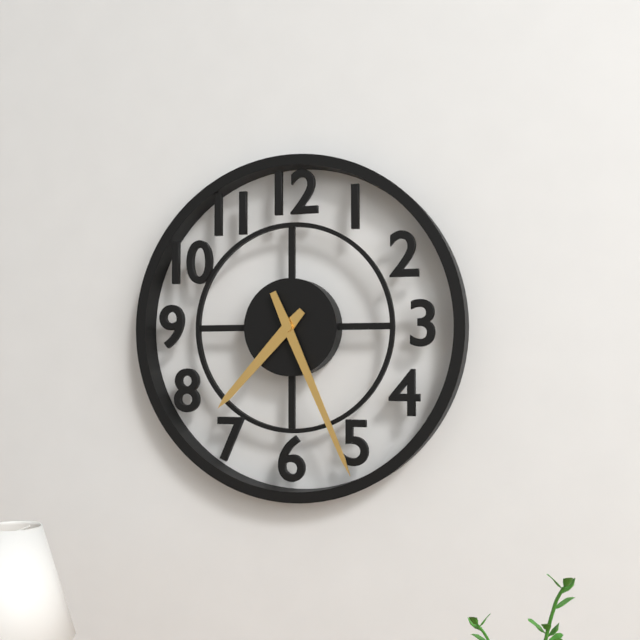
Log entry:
h=7 m=26
